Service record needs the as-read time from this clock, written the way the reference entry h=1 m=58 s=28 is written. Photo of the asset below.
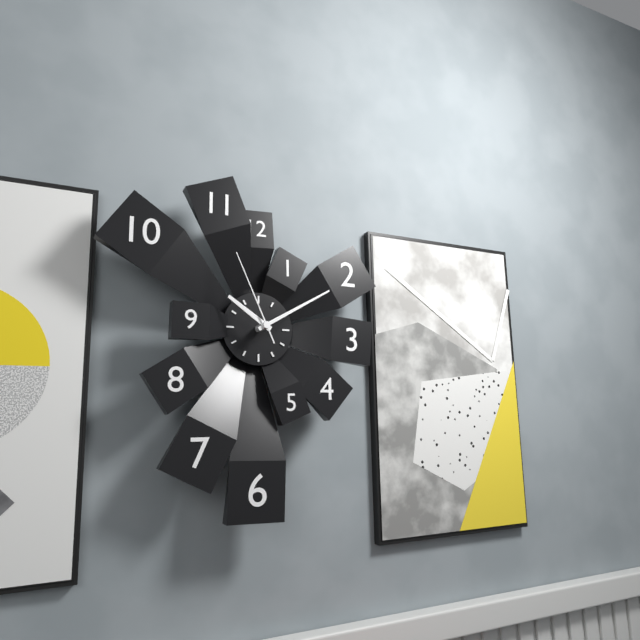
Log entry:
h=10 m=10 s=56
